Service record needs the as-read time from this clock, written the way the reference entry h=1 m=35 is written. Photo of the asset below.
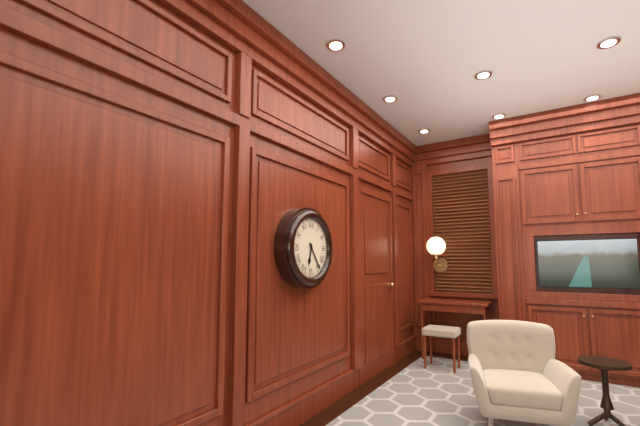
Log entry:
h=6 m=24
